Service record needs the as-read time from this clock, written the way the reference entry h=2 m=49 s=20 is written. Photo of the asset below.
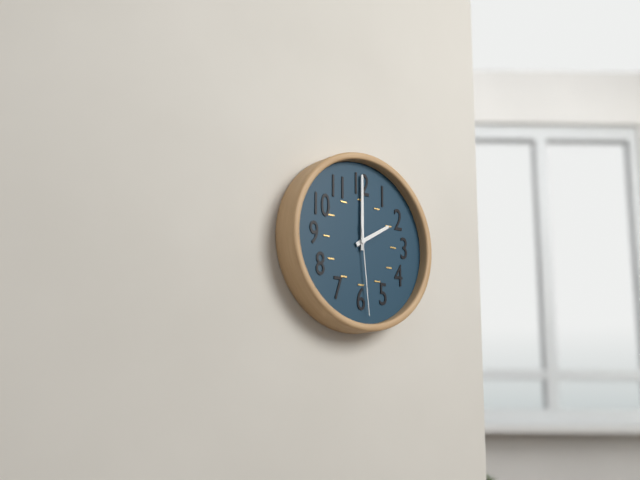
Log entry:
h=2 m=0 s=29
